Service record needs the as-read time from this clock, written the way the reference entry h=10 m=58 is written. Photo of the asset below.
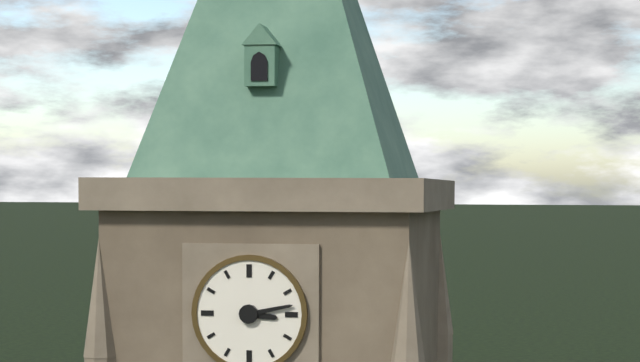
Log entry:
h=3 m=13
